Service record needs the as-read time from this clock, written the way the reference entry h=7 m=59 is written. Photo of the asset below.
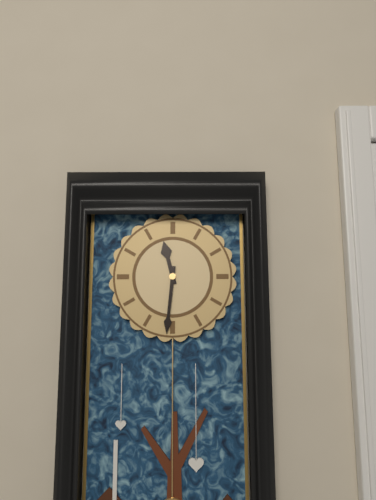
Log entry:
h=11 m=31
